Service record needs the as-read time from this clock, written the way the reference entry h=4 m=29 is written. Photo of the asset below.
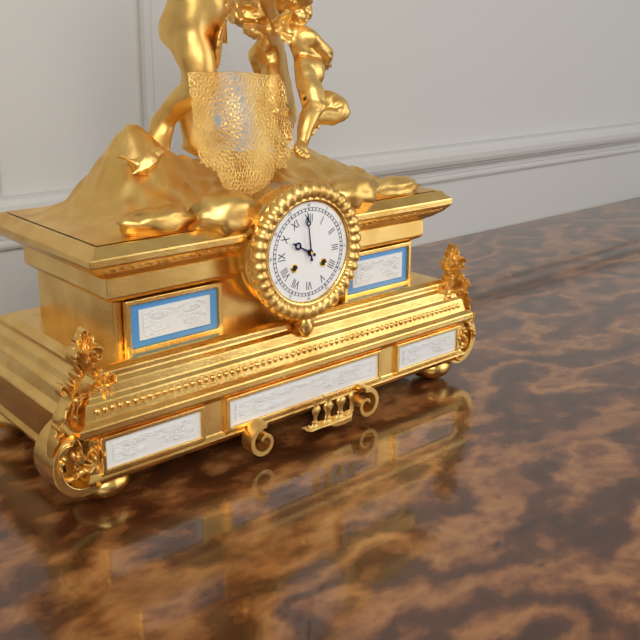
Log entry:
h=9 m=59
